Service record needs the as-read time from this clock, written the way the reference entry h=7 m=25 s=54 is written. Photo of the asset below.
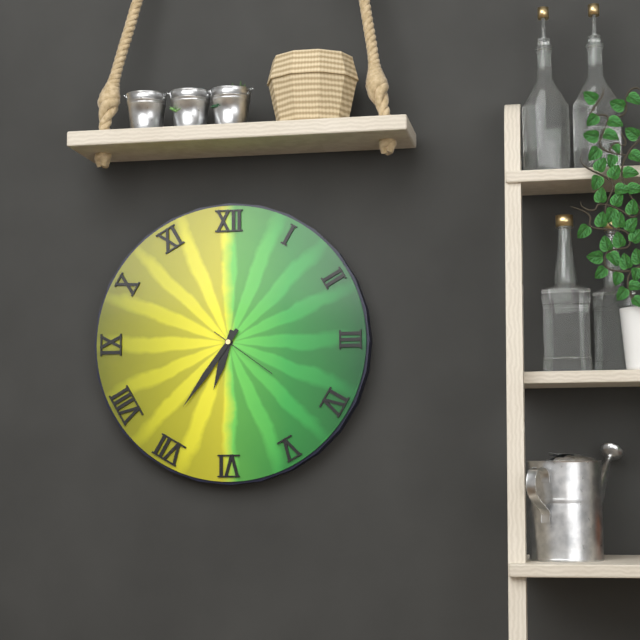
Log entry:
h=6 m=36 s=21
